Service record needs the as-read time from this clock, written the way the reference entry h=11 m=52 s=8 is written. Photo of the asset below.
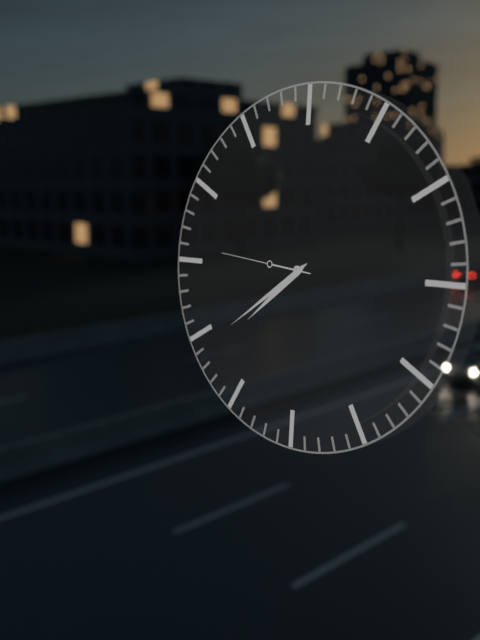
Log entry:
h=7 m=39 s=46
